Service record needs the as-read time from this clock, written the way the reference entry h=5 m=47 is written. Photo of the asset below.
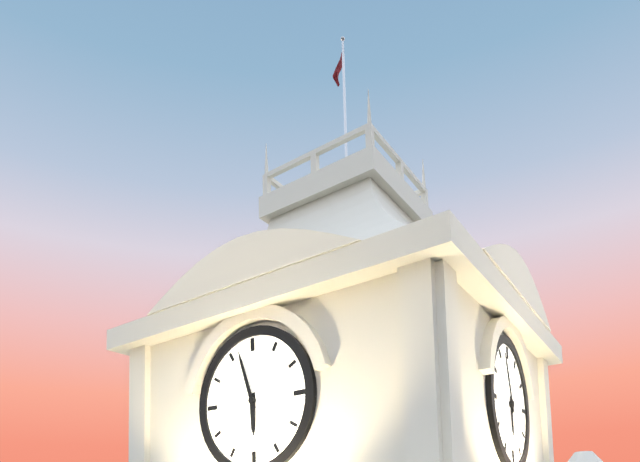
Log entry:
h=5 m=57
